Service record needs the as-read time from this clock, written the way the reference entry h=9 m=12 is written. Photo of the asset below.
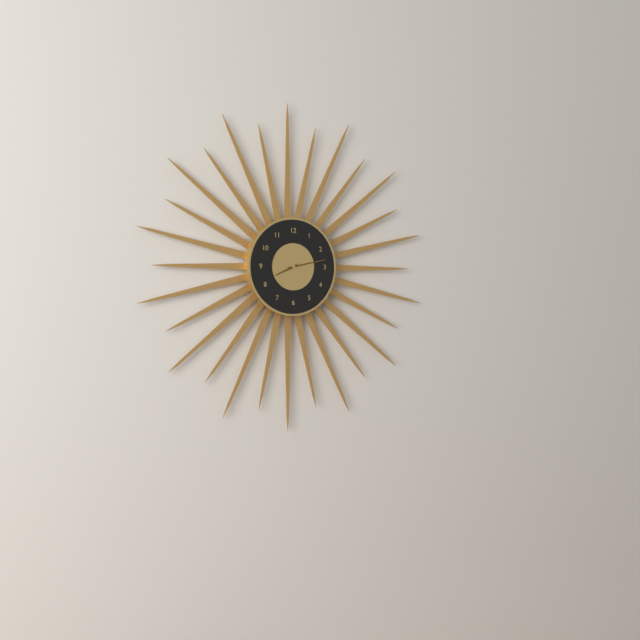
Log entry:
h=8 m=13
